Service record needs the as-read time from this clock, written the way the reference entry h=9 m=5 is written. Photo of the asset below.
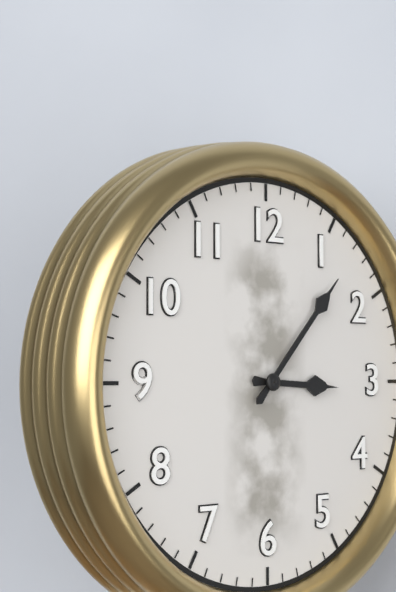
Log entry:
h=3 m=7
